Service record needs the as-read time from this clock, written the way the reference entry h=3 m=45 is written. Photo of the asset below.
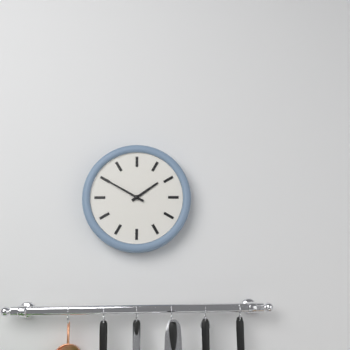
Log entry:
h=1 m=50
